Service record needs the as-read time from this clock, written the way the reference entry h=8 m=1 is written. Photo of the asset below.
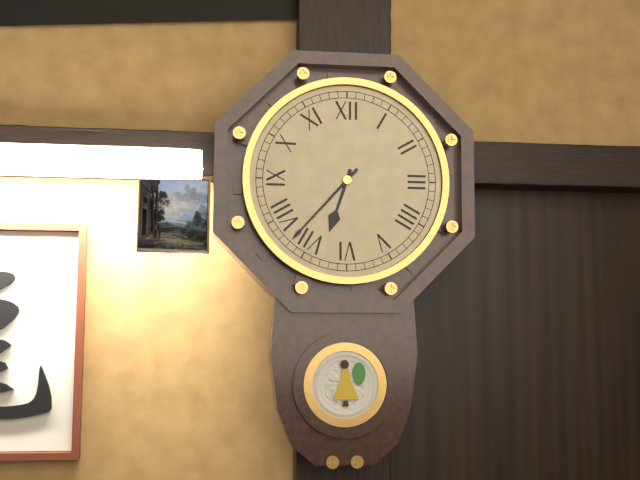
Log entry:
h=6 m=37
